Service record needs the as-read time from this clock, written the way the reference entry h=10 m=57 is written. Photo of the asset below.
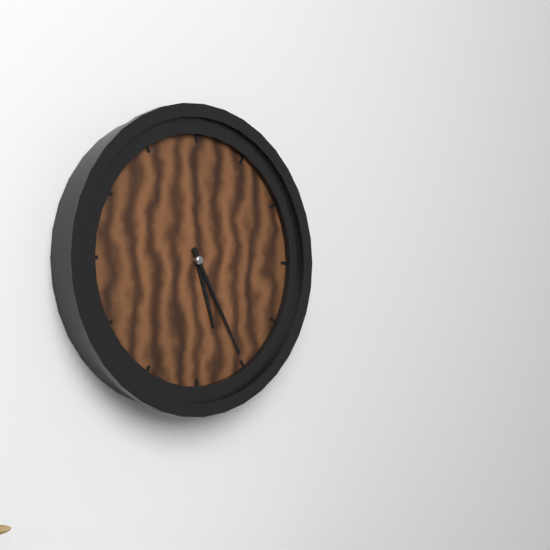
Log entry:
h=5 m=25
